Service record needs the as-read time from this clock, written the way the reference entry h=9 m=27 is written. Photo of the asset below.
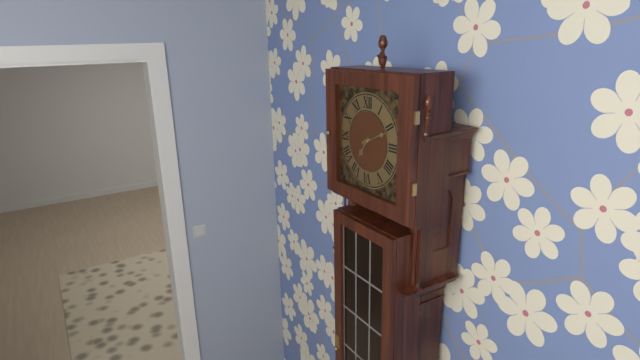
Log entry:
h=7 m=11
